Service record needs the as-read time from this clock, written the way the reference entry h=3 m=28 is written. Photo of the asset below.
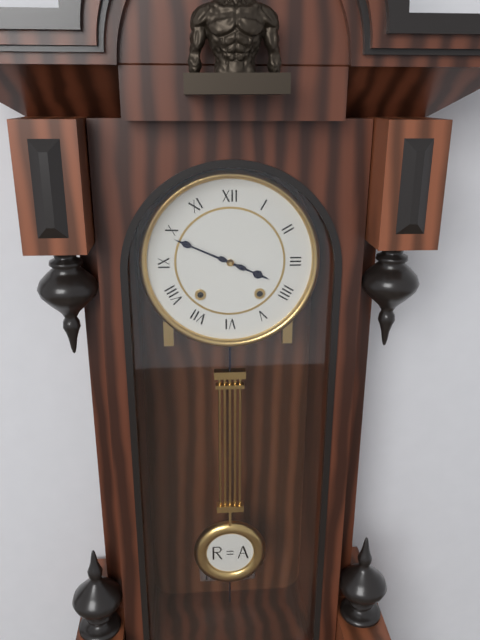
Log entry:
h=3 m=49
